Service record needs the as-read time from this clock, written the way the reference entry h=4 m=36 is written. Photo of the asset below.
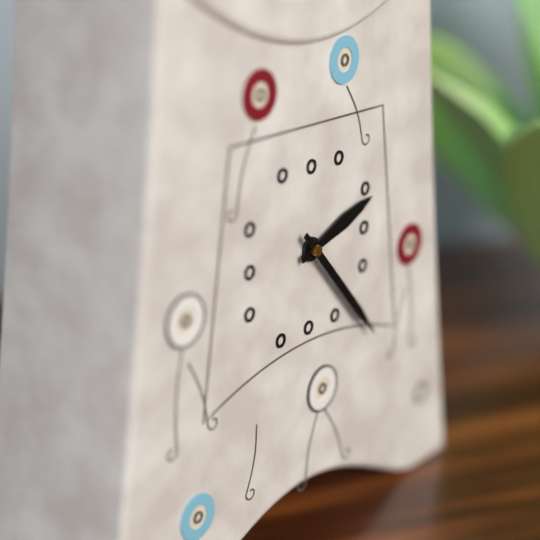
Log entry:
h=2 m=23
